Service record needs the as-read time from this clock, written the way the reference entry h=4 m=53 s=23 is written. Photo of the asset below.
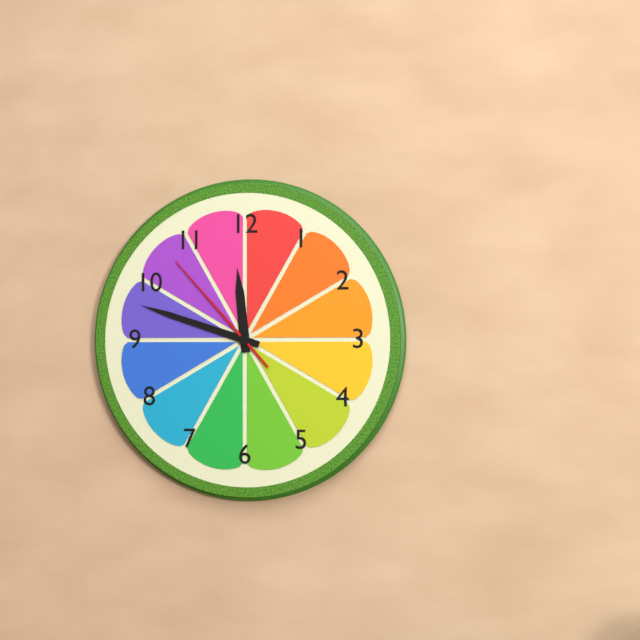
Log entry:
h=11 m=48 s=53
